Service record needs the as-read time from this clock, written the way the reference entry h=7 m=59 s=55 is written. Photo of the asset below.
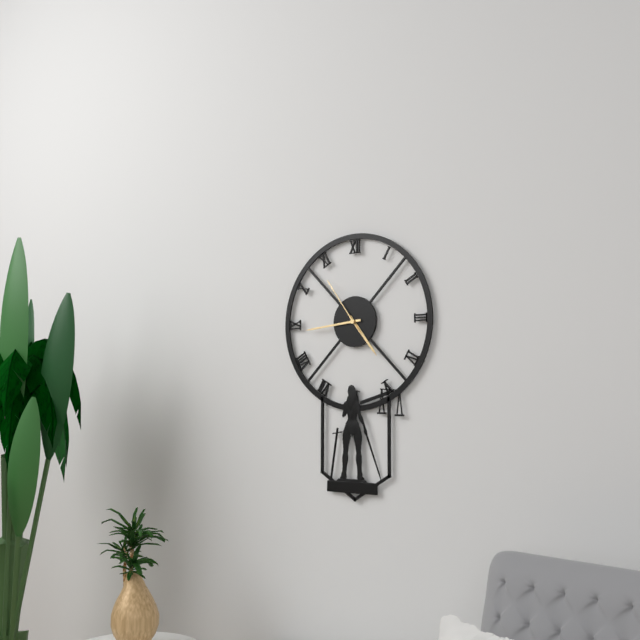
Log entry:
h=4 m=44 s=54
